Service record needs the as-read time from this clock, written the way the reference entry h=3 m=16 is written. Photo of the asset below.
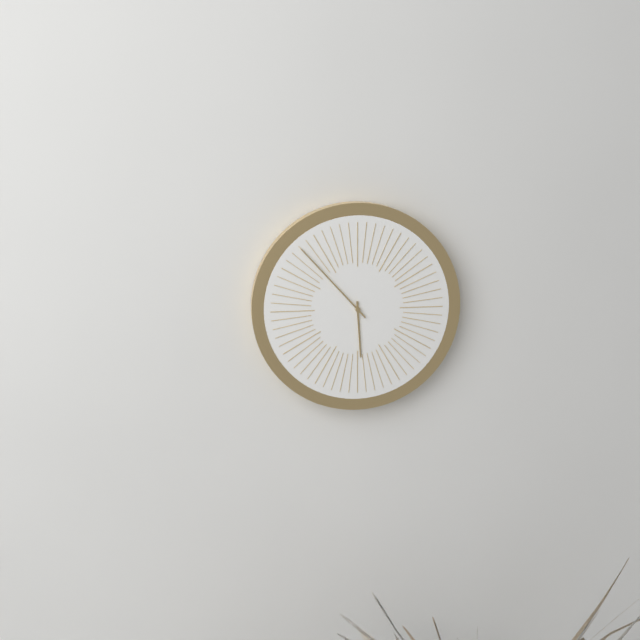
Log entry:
h=5 m=53
